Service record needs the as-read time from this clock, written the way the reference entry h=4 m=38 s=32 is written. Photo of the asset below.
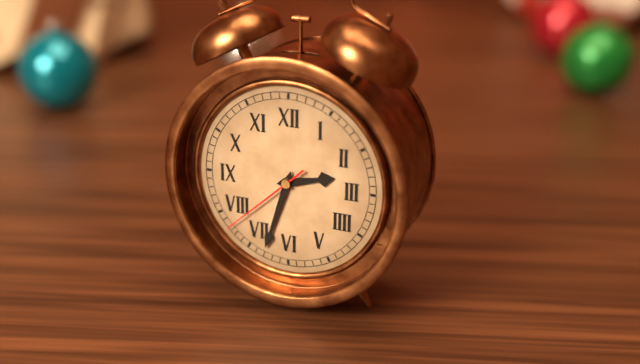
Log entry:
h=2 m=33 s=38
